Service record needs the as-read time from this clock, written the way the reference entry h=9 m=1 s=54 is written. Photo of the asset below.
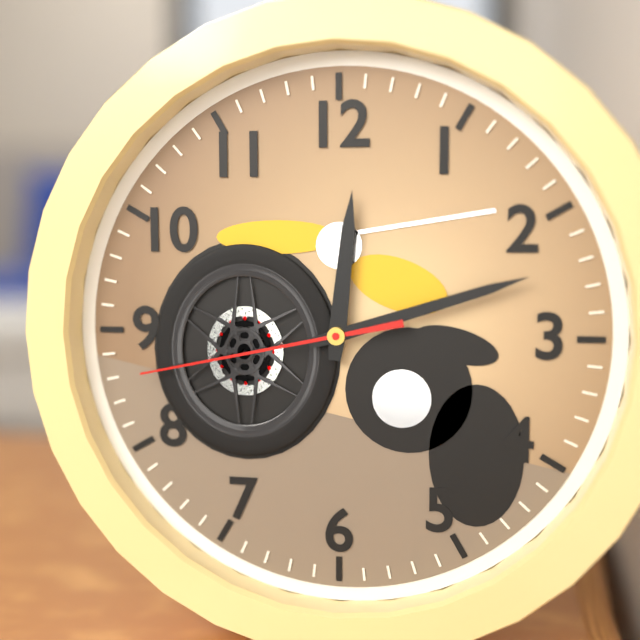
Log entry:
h=12 m=12 s=43
